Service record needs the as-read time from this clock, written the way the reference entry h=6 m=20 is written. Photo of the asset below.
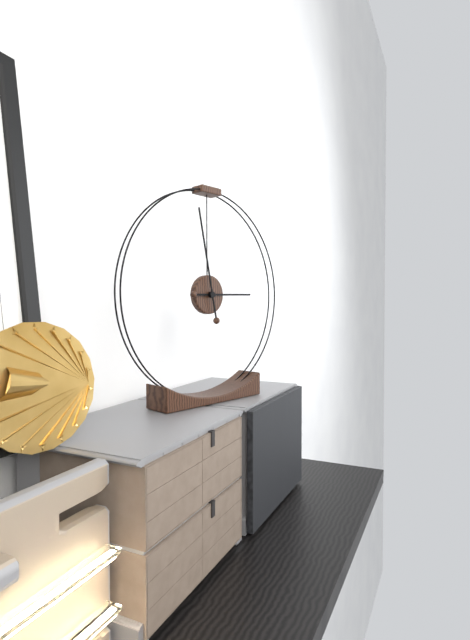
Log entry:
h=2 m=58
